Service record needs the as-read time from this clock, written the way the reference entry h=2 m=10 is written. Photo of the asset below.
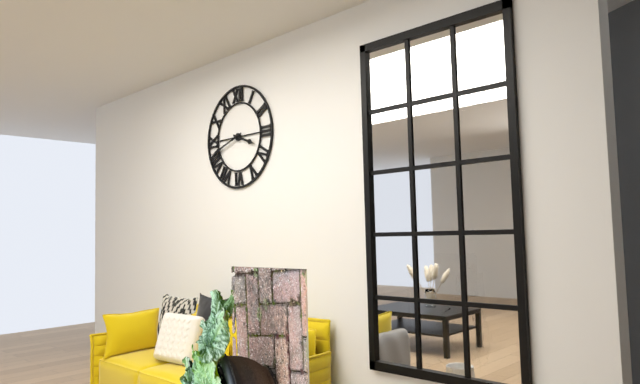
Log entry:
h=3 m=42
